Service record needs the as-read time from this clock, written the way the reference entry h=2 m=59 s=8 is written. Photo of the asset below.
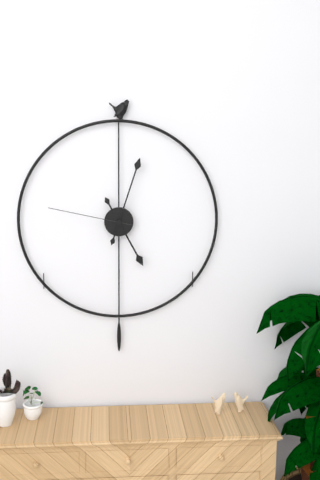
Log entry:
h=5 m=3 s=47
